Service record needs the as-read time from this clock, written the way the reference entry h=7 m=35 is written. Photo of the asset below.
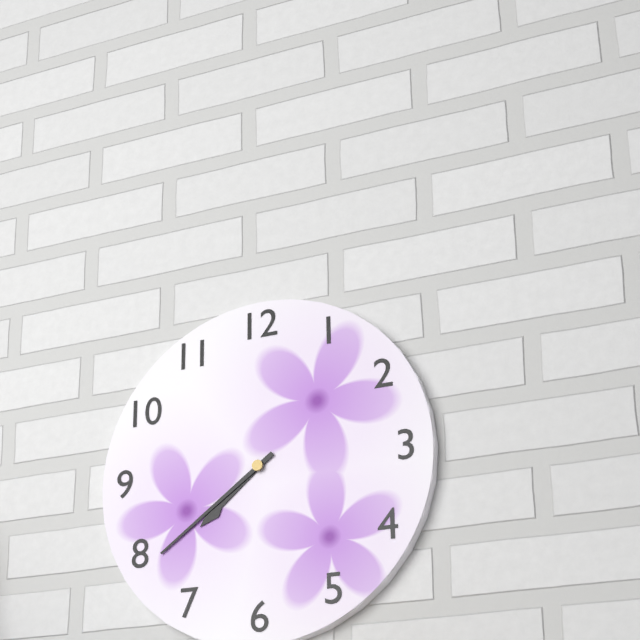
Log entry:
h=7 m=39
